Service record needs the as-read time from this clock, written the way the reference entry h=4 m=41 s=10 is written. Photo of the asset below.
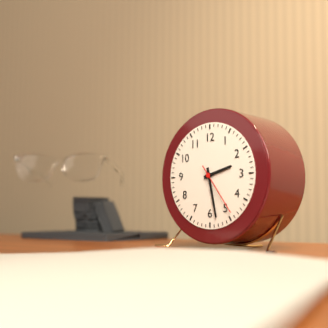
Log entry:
h=2 m=28 s=24
